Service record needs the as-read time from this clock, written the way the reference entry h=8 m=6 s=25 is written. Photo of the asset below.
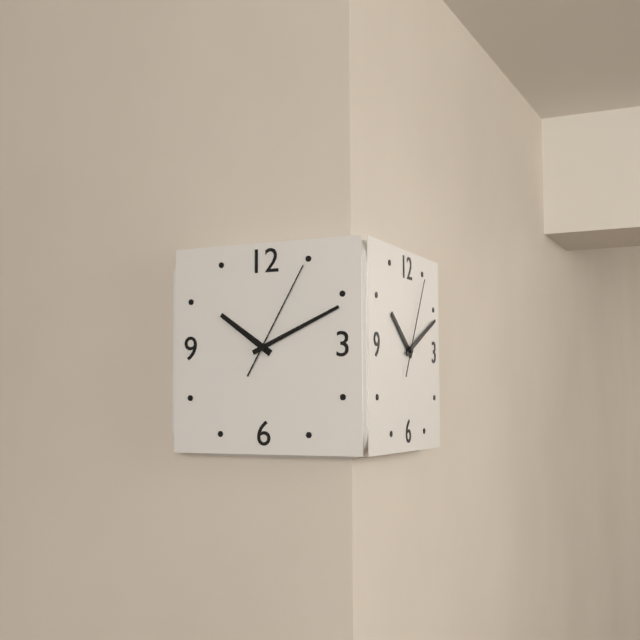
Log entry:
h=10 m=11 s=5
